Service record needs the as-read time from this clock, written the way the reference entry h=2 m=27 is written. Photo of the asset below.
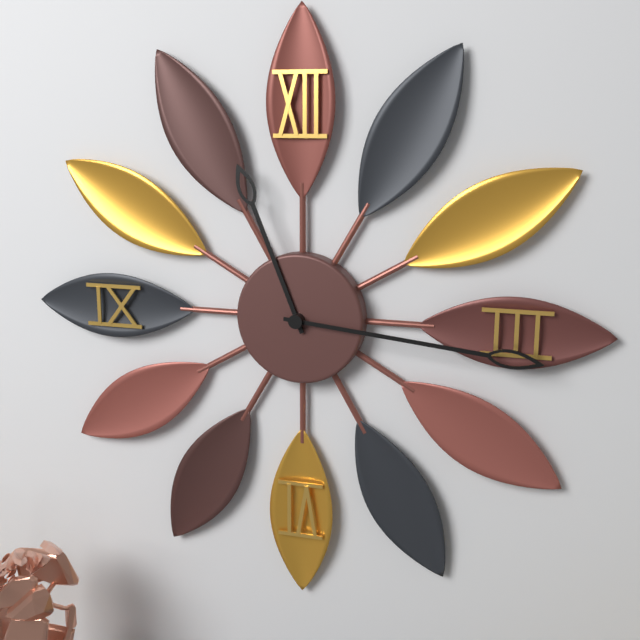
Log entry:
h=11 m=16
